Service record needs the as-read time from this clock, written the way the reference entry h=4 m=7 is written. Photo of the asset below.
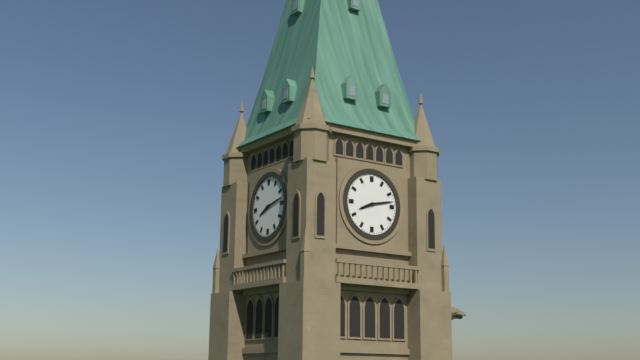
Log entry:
h=8 m=13
